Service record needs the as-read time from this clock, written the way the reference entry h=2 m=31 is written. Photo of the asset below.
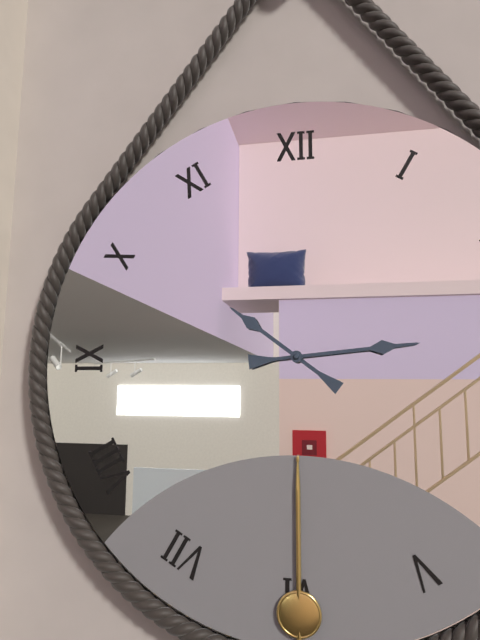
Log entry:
h=10 m=14
